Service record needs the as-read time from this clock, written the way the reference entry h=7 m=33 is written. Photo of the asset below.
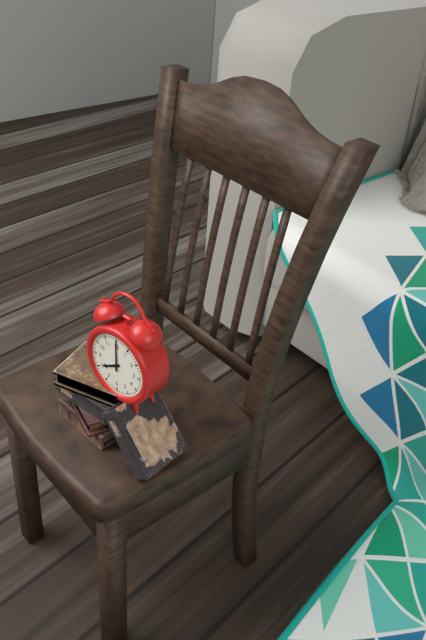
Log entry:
h=8 m=0
